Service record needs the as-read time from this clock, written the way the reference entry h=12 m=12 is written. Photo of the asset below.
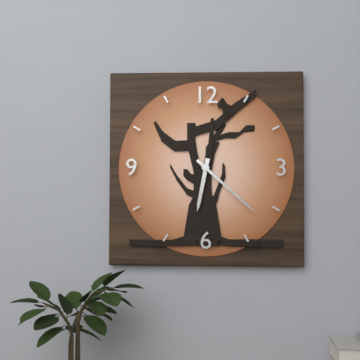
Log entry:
h=6 m=22
